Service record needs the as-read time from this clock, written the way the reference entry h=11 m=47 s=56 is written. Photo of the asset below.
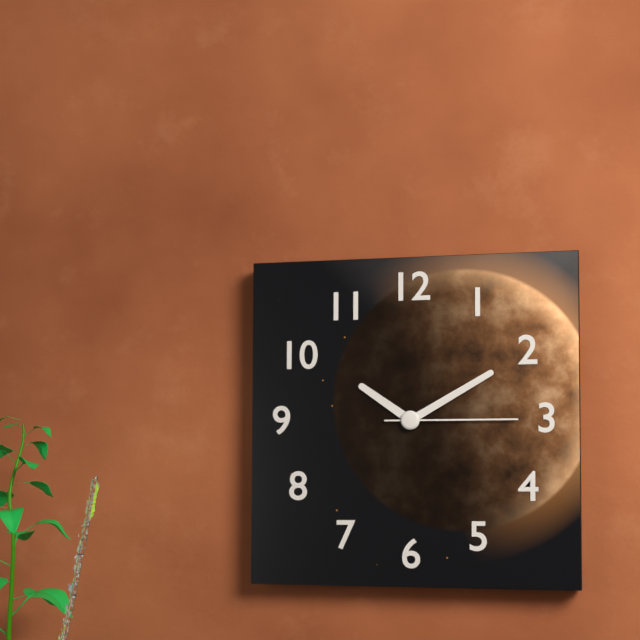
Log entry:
h=10 m=10 s=15
